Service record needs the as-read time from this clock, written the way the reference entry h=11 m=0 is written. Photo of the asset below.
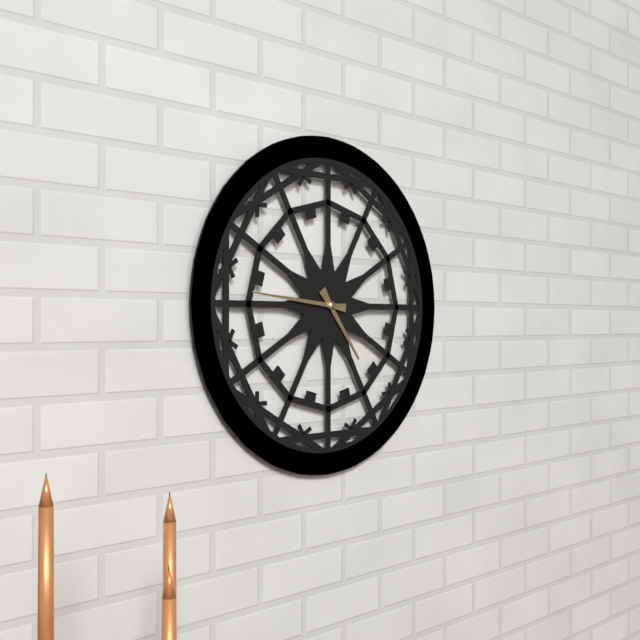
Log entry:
h=4 m=46
